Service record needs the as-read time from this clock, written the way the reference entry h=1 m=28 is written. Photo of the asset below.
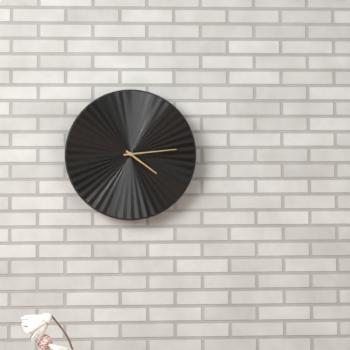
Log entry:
h=4 m=14
